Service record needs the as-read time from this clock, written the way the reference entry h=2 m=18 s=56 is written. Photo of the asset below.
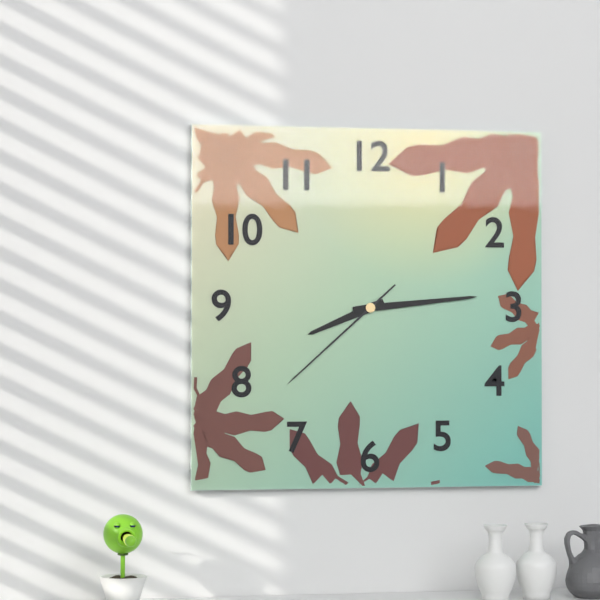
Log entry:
h=8 m=14 s=38
